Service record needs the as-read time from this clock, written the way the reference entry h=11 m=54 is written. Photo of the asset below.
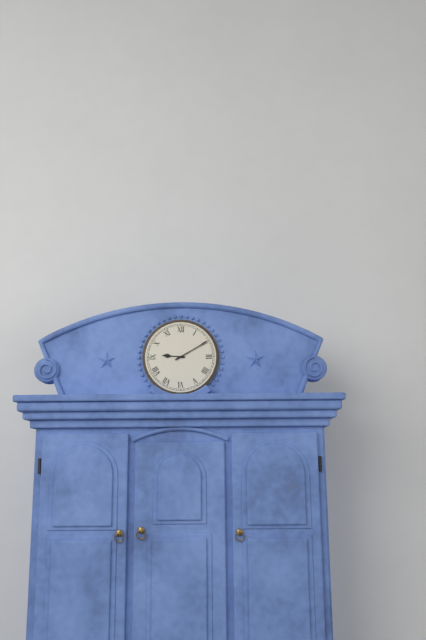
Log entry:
h=9 m=10
